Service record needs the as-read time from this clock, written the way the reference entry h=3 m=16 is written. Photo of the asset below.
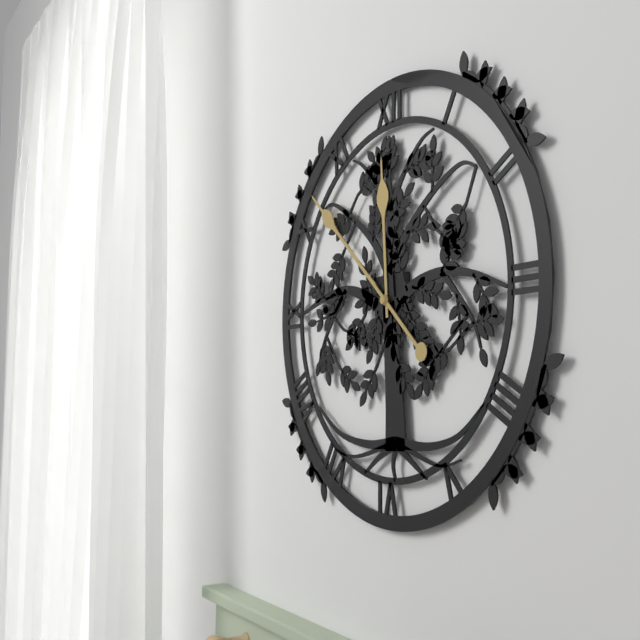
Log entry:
h=11 m=52
